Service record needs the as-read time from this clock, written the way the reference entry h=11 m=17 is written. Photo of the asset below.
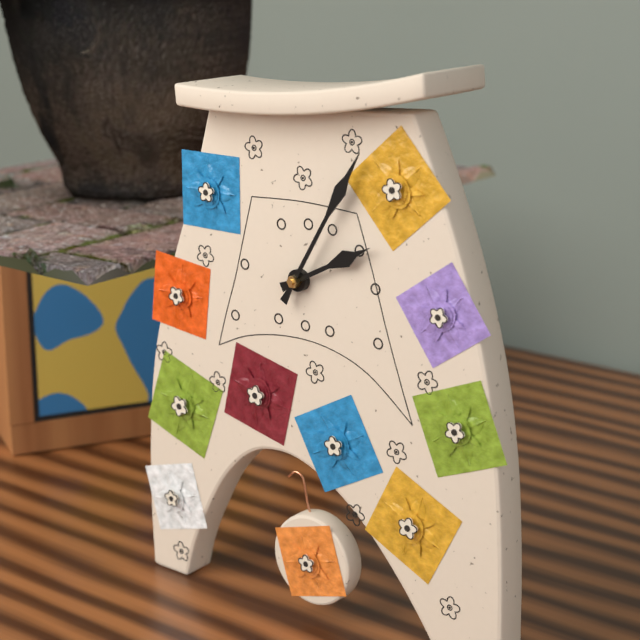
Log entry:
h=2 m=5
